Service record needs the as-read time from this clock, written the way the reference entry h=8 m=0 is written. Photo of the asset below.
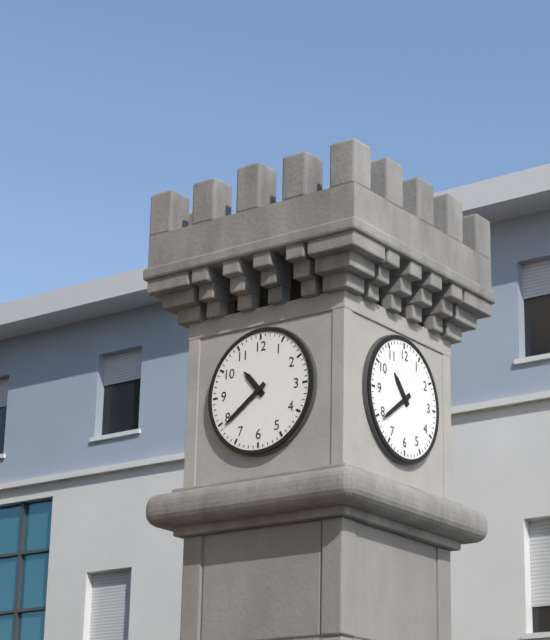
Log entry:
h=10 m=39
